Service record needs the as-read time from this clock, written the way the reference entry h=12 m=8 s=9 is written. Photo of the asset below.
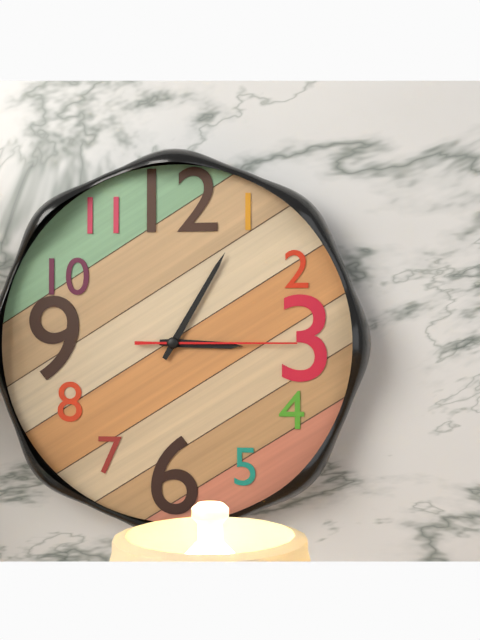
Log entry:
h=3 m=5 s=15
